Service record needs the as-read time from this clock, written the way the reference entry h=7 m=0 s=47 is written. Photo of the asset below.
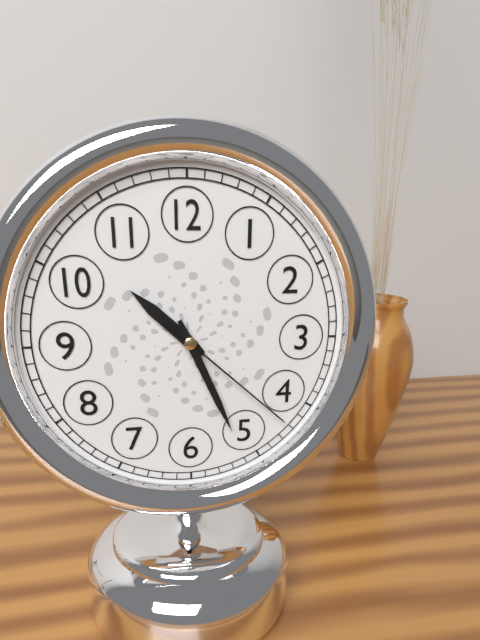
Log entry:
h=10 m=26 s=22
